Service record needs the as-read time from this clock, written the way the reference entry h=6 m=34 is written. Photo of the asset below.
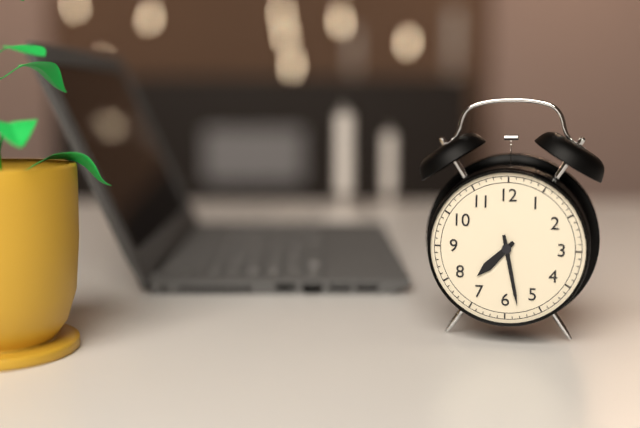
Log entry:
h=7 m=28
